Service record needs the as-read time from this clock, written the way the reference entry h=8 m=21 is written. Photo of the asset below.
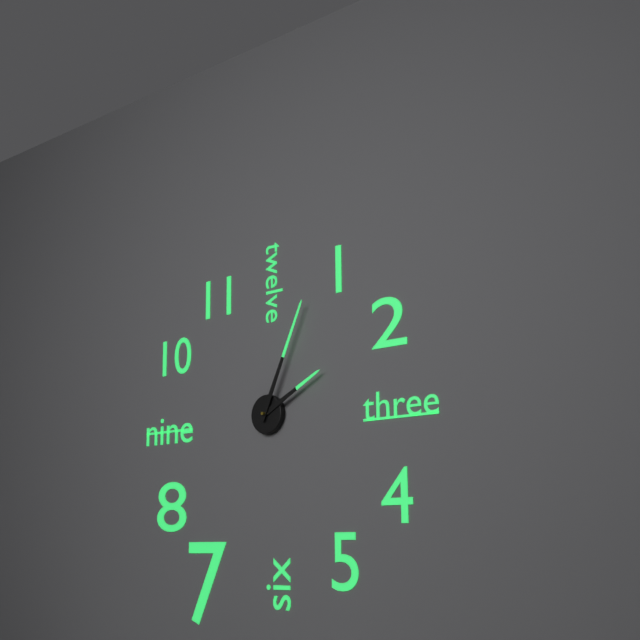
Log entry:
h=2 m=4
